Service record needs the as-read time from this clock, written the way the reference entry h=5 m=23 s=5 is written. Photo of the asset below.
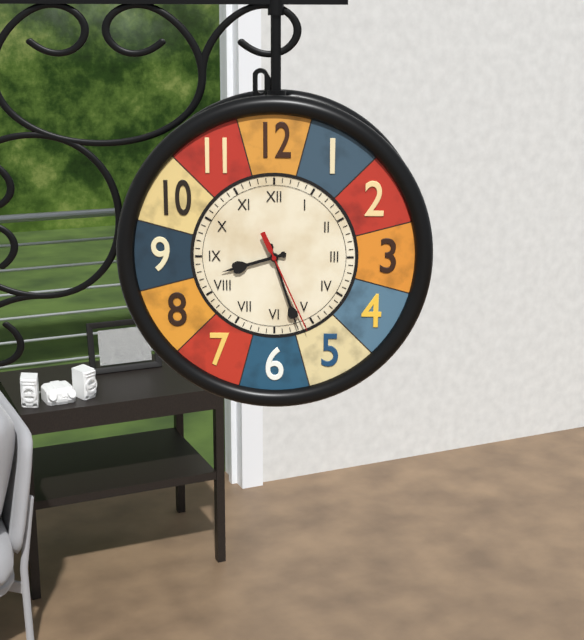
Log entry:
h=8 m=27 s=26
